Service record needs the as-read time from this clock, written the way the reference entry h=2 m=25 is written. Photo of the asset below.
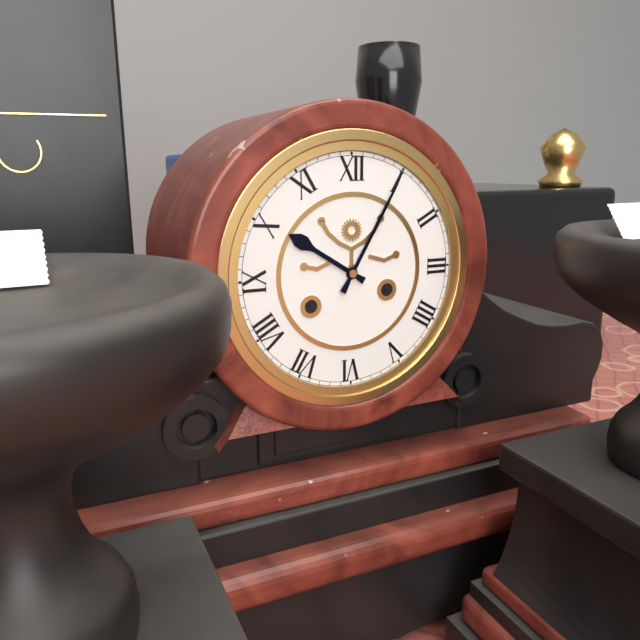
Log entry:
h=10 m=5
